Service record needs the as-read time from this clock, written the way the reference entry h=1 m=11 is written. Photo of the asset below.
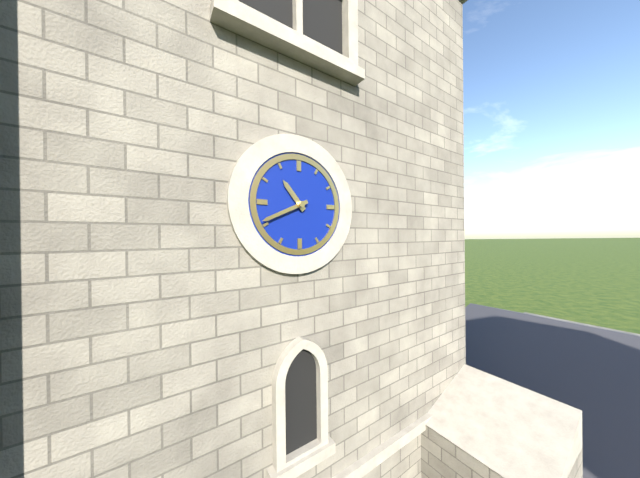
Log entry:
h=10 m=41
